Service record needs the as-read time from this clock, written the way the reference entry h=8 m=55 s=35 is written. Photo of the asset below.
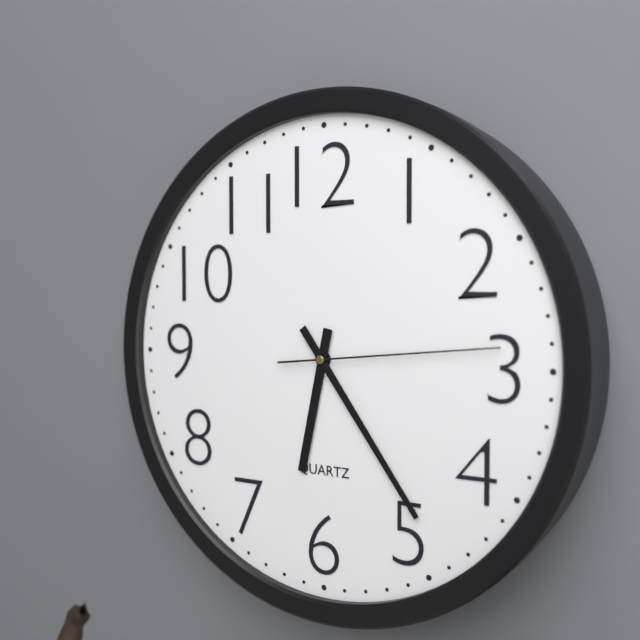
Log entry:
h=6 m=24 s=14
